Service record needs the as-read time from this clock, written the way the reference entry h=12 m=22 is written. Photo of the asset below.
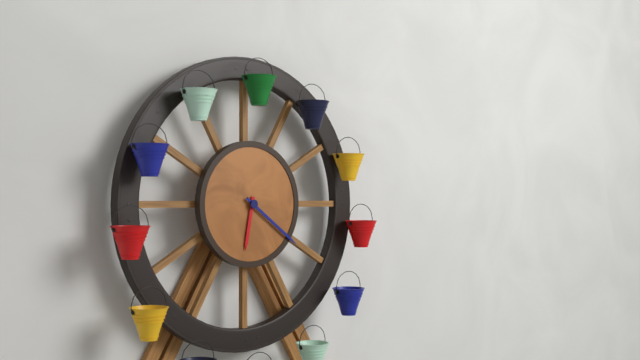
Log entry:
h=6 m=21
